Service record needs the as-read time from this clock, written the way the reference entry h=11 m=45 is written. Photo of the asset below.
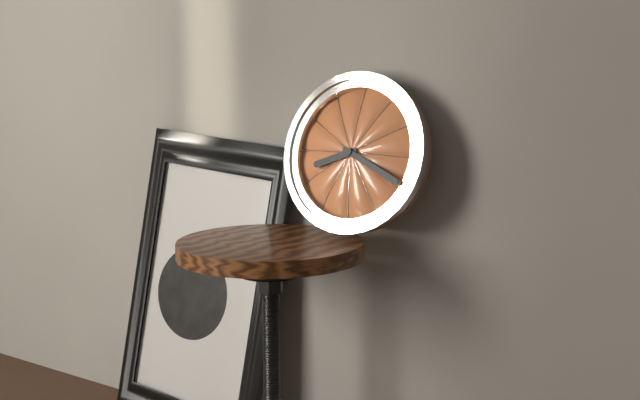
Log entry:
h=8 m=19
